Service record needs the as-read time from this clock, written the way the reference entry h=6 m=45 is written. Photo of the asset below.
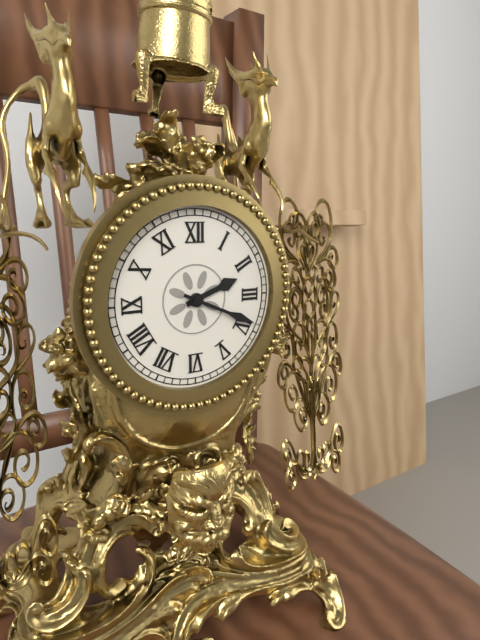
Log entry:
h=2 m=19
